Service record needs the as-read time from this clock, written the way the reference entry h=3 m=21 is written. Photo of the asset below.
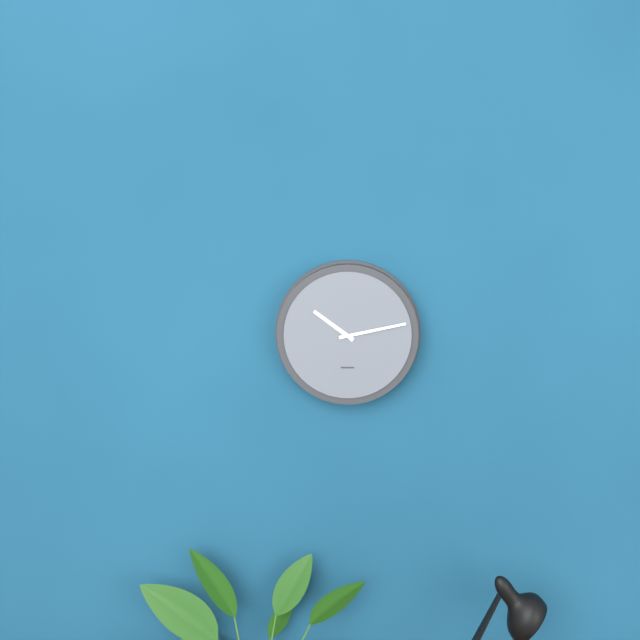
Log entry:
h=10 m=13
